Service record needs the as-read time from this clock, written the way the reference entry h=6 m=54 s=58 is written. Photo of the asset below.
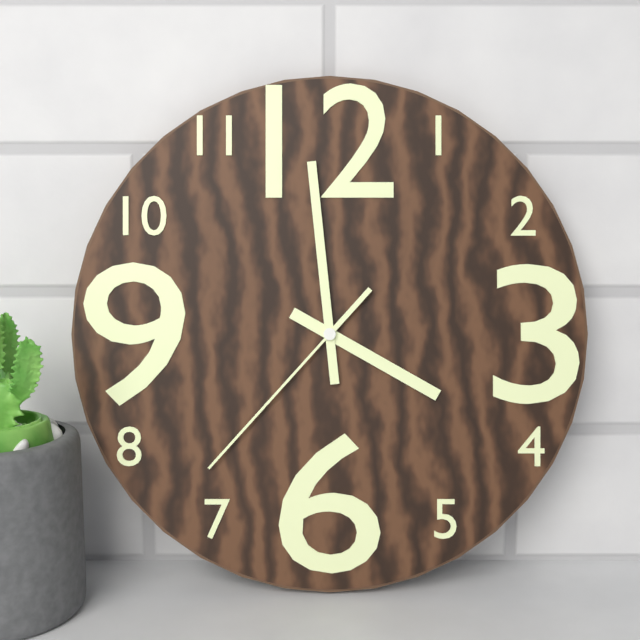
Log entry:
h=3 m=59 s=37
